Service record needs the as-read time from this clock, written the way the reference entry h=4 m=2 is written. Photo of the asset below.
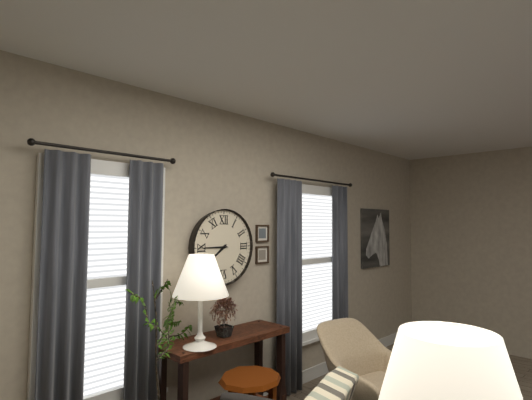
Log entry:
h=7 m=45
